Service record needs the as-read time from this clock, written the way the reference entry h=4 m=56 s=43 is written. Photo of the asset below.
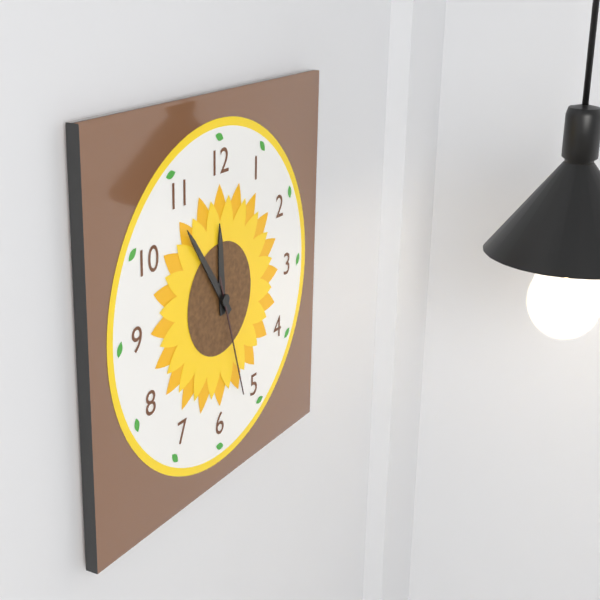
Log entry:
h=11 m=54 s=27
